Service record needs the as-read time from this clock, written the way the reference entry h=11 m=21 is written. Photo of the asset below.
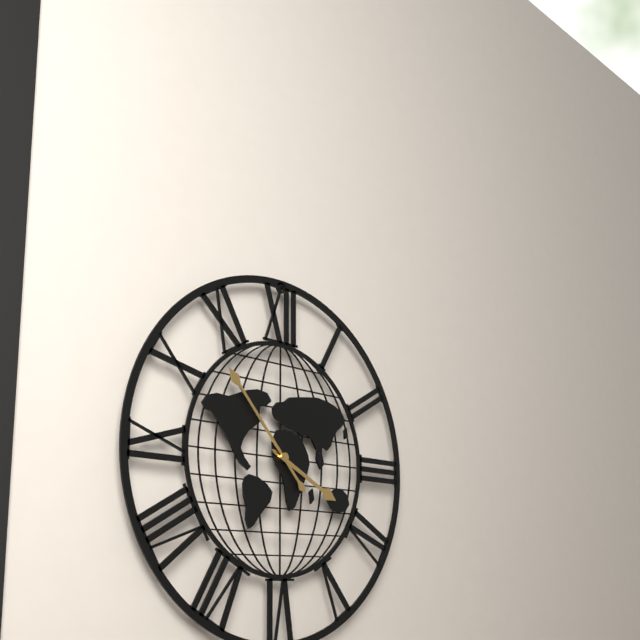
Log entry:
h=3 m=53
